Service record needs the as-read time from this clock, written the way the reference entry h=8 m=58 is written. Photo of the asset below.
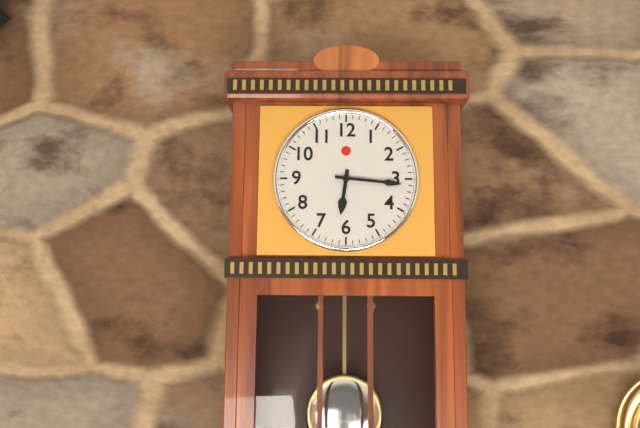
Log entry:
h=6 m=16
